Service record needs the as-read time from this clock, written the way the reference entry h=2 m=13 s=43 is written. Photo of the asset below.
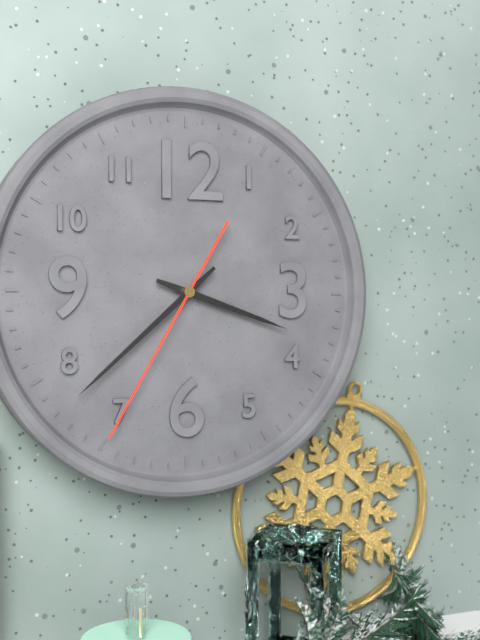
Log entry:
h=3 m=38 s=35
